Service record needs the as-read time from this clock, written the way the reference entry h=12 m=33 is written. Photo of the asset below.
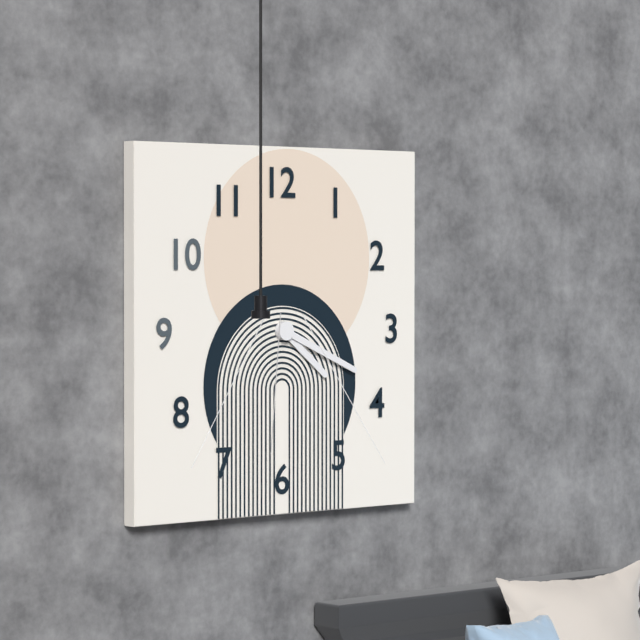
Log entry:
h=4 m=19
